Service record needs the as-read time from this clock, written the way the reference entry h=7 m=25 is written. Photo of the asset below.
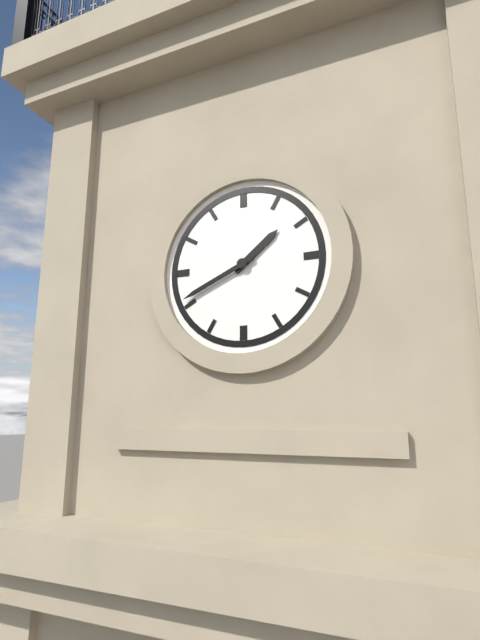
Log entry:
h=1 m=41
